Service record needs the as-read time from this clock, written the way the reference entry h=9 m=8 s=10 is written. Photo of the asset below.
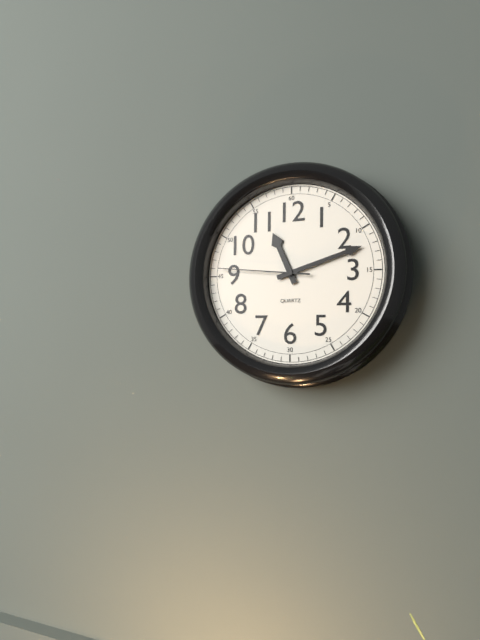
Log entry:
h=11 m=12 s=46
